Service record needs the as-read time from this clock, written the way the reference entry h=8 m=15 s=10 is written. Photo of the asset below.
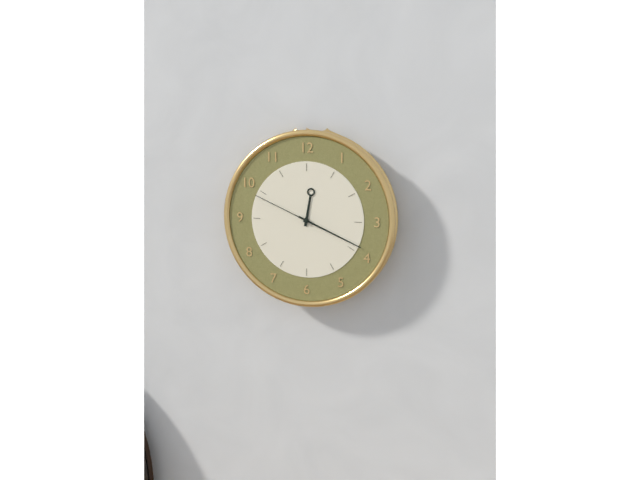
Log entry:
h=12 m=19 s=49
